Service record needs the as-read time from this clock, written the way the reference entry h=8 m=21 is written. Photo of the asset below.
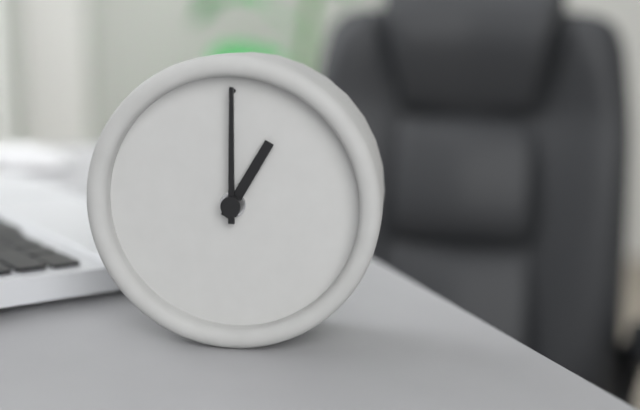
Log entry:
h=1 m=0
